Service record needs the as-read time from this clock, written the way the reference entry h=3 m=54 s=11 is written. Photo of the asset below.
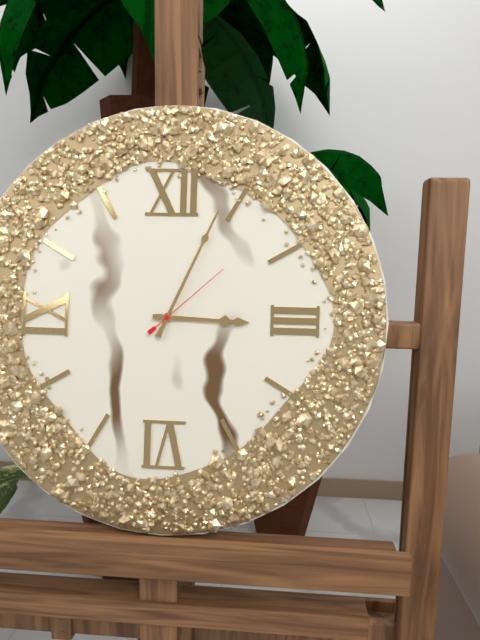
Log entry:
h=3 m=4 s=8
